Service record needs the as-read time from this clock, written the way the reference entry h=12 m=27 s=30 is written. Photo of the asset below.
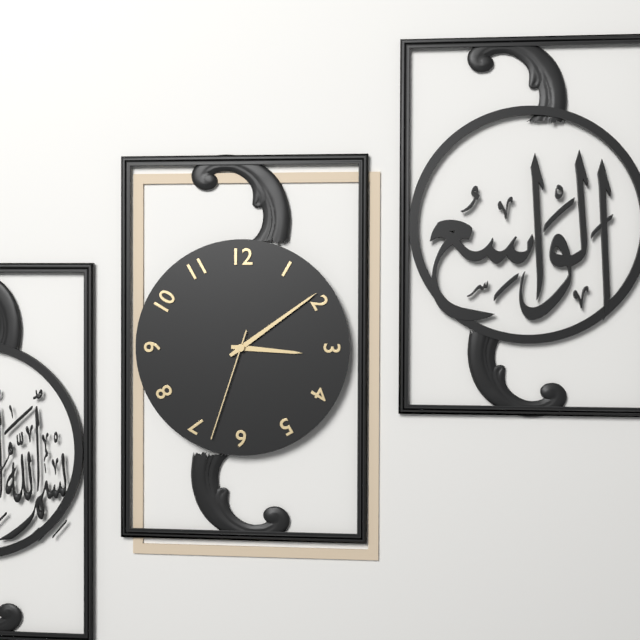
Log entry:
h=3 m=9 s=33
